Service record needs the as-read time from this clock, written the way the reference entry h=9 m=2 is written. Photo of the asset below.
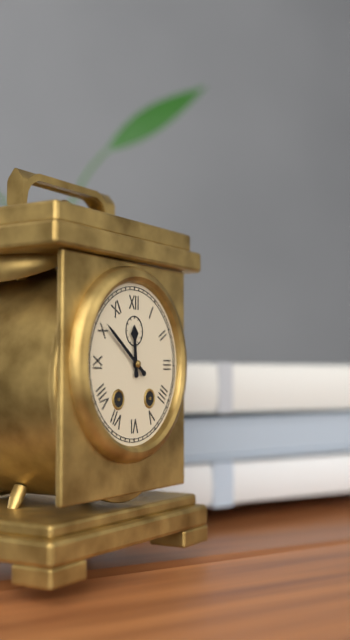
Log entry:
h=11 m=51
